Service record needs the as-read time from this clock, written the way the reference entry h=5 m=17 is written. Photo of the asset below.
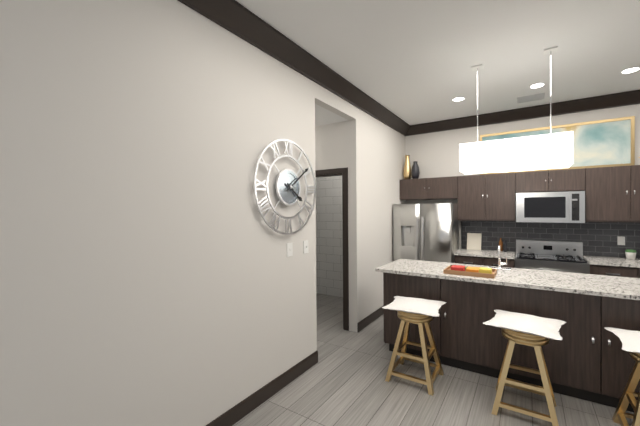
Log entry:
h=4 m=9
